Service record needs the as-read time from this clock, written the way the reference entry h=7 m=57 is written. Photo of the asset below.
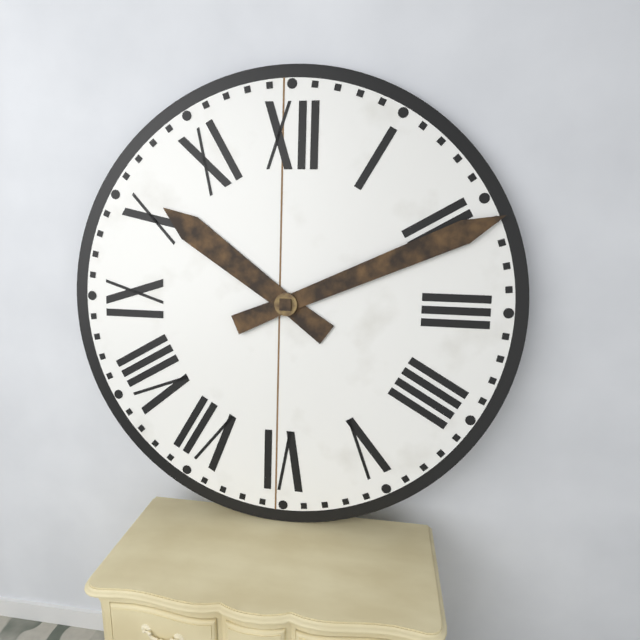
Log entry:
h=10 m=11
